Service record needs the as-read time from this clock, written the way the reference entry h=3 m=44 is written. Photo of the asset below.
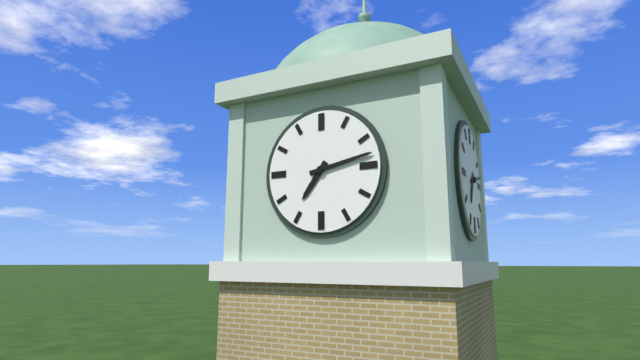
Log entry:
h=7 m=13
